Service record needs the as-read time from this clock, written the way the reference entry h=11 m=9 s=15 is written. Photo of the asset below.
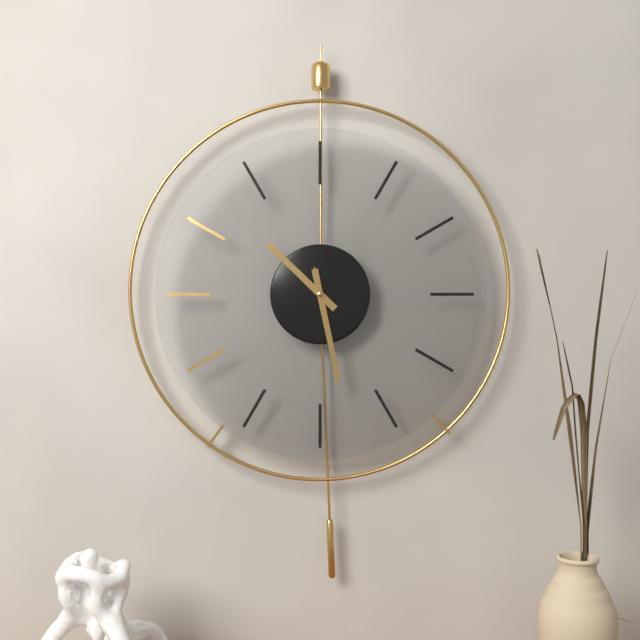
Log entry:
h=10 m=28 s=28
